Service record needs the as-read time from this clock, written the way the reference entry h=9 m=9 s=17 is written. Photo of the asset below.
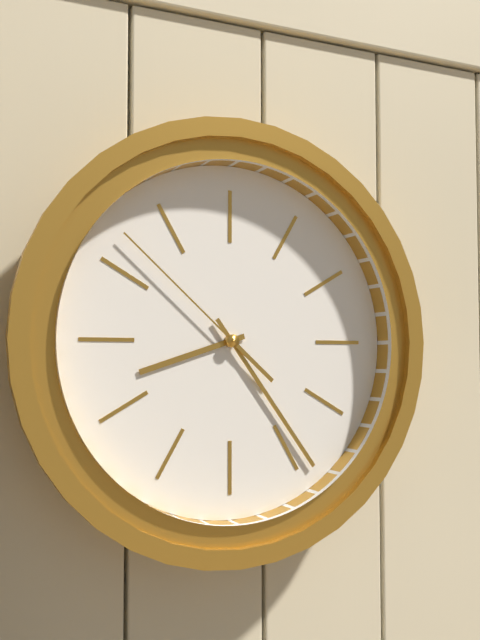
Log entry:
h=8 m=24 s=52
